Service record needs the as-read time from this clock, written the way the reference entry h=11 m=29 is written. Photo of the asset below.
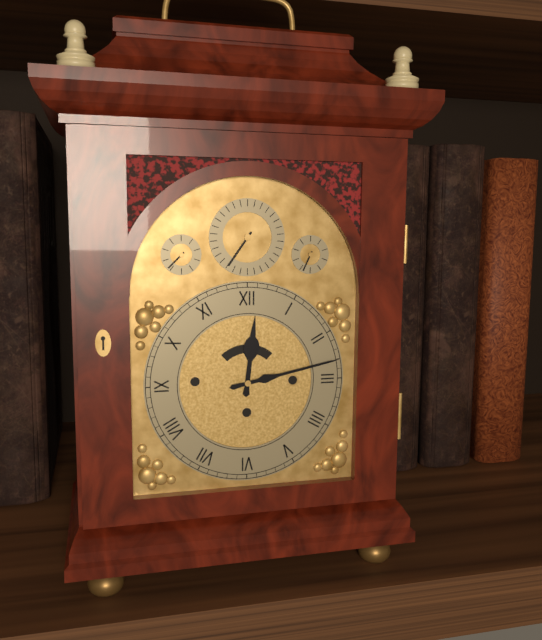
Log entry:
h=12 m=13
